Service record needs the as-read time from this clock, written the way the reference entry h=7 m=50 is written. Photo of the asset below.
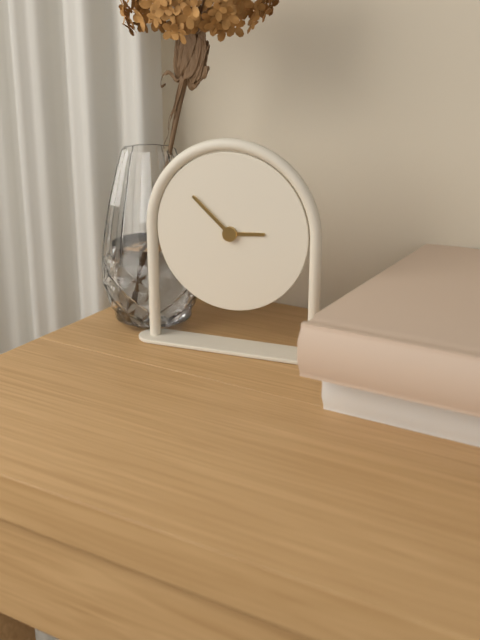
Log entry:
h=2 m=52
